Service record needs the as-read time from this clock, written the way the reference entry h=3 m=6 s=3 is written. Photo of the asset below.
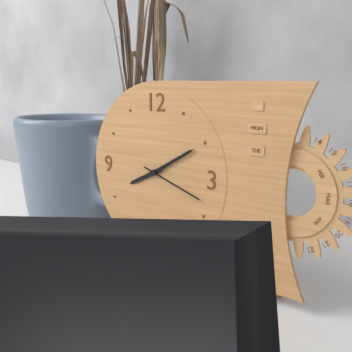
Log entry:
h=8 m=10 s=18
